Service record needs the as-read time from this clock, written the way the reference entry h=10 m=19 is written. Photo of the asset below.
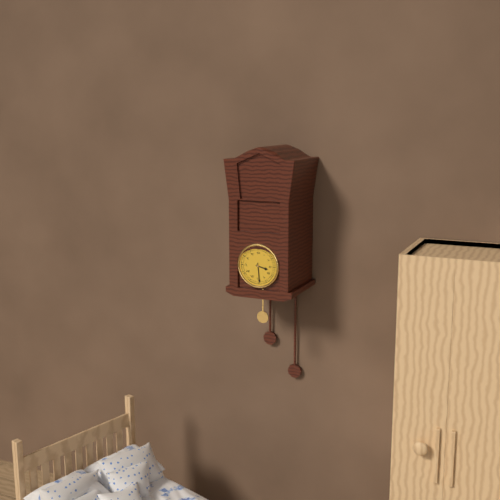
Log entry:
h=3 m=29
